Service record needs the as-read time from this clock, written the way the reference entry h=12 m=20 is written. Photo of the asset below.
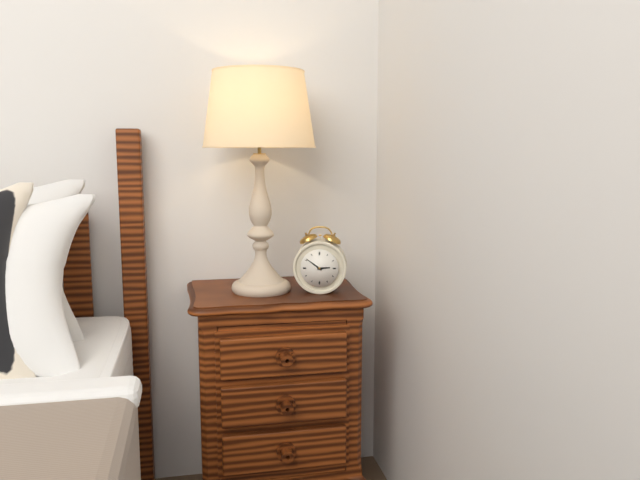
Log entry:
h=2 m=51
